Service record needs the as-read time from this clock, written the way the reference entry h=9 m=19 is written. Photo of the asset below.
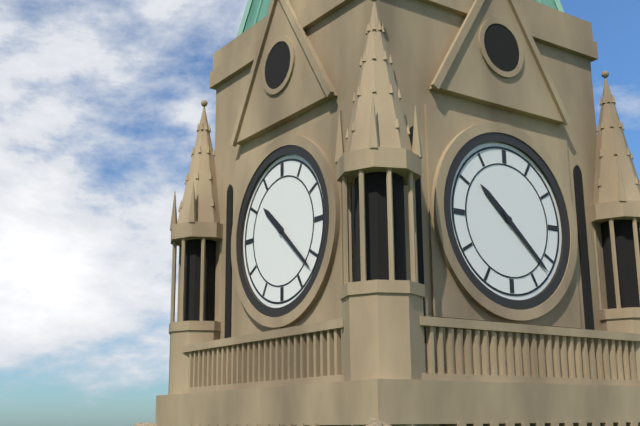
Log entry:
h=10 m=22
